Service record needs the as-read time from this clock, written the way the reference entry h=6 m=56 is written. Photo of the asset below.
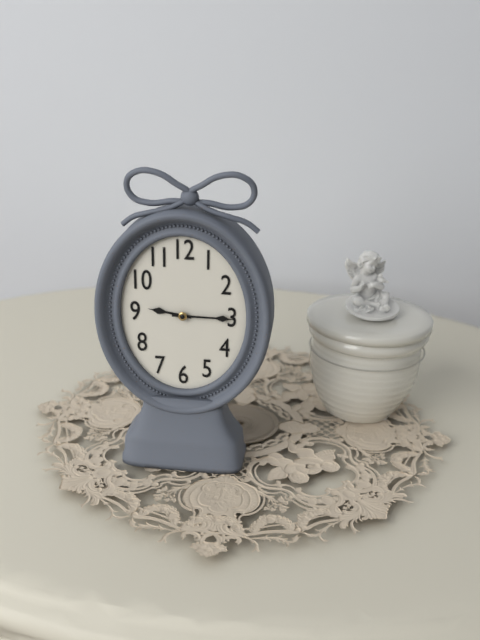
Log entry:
h=9 m=15
